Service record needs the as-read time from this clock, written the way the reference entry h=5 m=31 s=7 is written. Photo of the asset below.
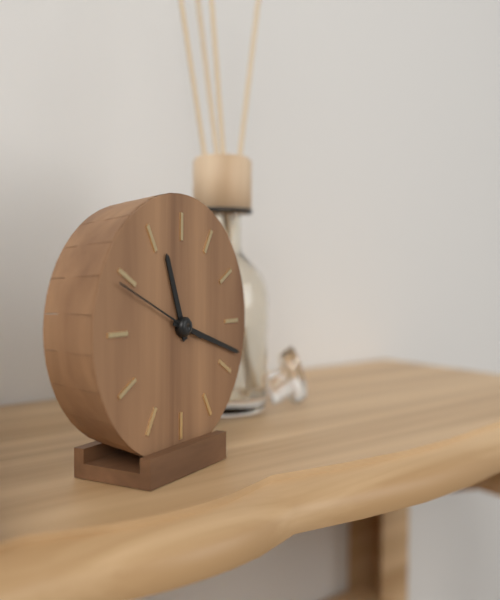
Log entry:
h=11 m=18 s=49
